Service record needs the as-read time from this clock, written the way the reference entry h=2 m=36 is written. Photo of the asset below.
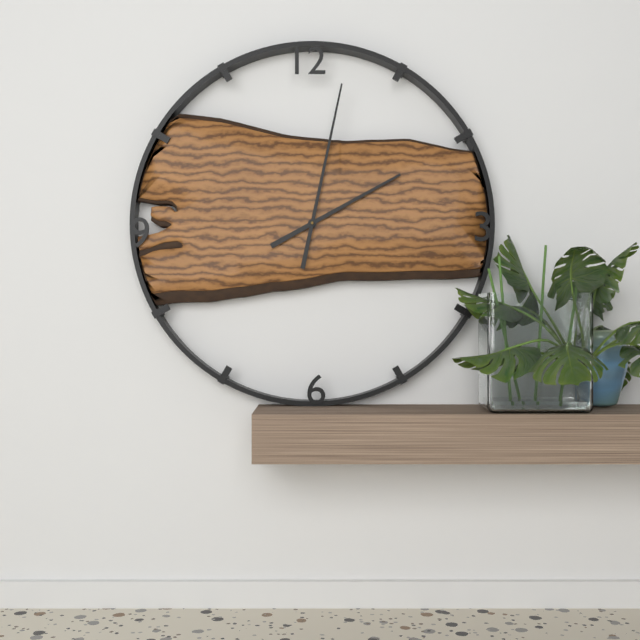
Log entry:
h=2 m=2
